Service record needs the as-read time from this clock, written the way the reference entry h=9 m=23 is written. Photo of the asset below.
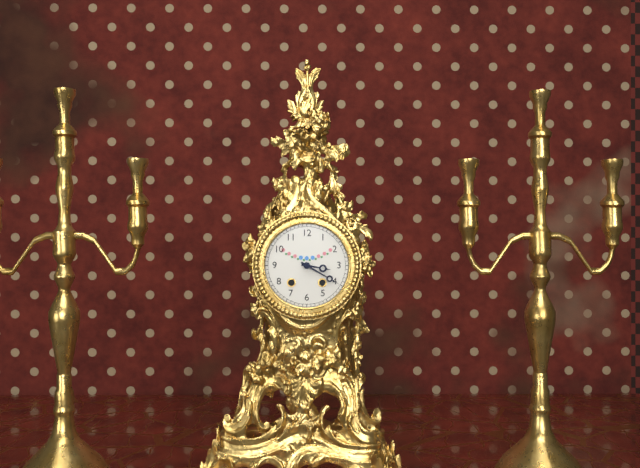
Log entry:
h=3 m=20
